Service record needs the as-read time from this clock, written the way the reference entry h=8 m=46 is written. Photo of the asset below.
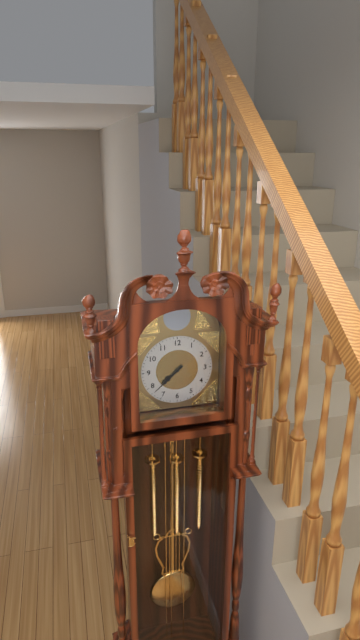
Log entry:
h=7 m=38
